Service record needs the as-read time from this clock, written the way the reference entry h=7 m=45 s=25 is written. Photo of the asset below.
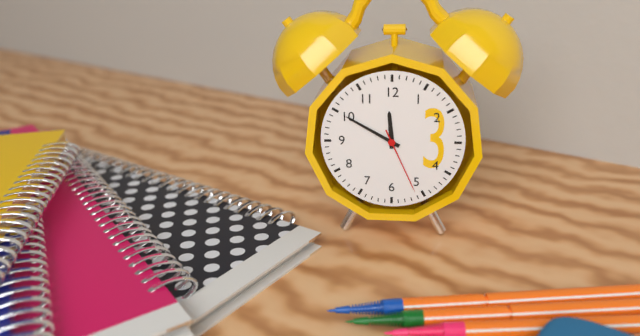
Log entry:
h=11 m=50 s=26
